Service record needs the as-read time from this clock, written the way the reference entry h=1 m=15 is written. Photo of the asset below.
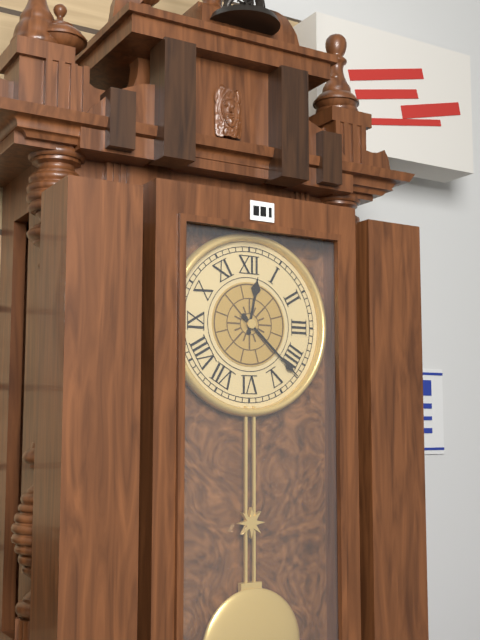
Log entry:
h=12 m=22
